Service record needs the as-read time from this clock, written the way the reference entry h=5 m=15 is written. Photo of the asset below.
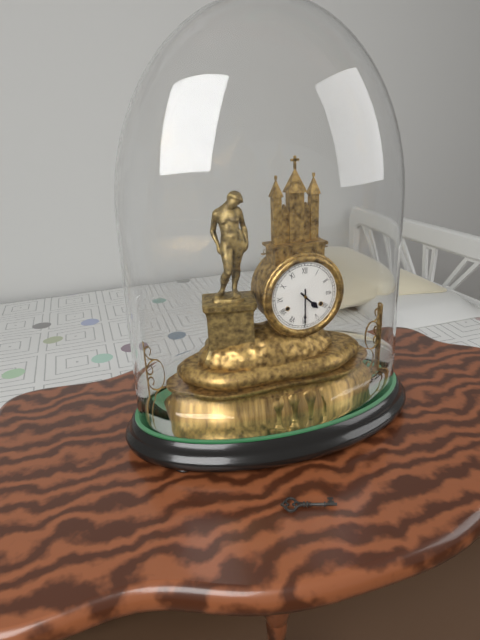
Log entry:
h=4 m=30
